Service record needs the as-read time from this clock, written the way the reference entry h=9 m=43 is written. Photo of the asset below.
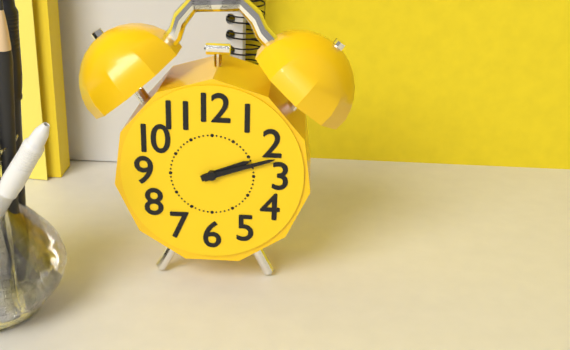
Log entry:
h=2 m=12
